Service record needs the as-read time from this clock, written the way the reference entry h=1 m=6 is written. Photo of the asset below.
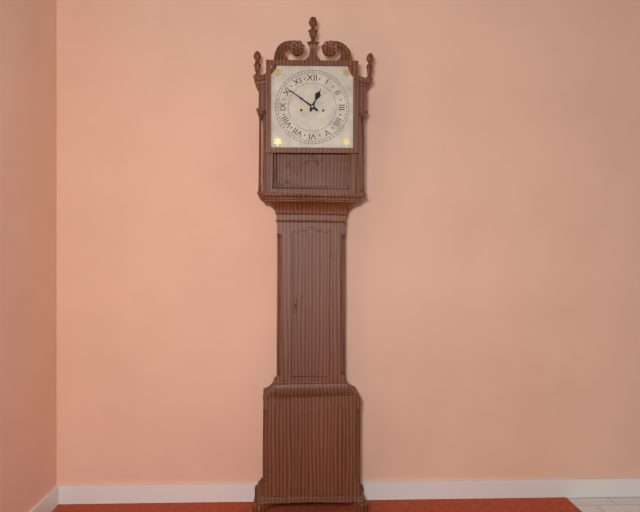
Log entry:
h=12 m=51
